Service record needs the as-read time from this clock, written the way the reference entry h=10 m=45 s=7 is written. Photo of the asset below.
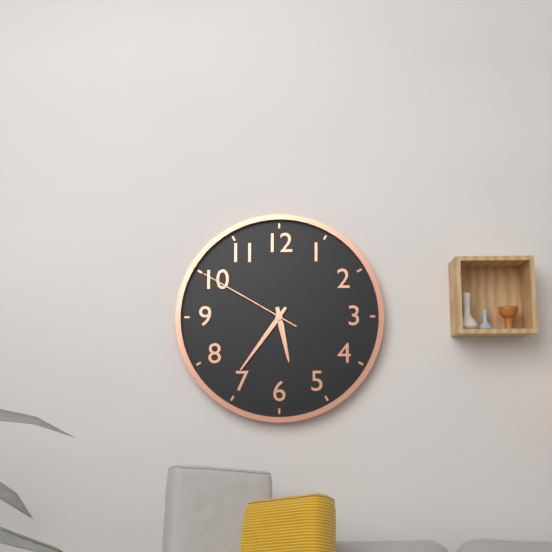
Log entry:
h=5 m=36 s=50
